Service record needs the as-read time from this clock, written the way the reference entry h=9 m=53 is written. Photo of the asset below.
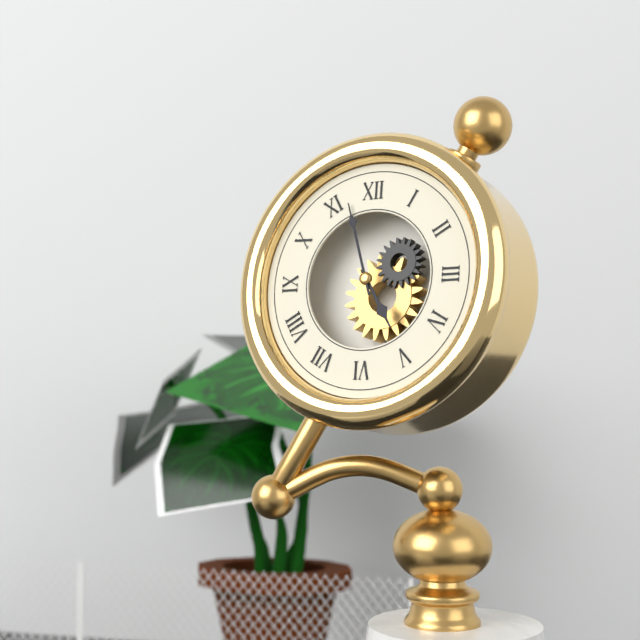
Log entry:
h=4 m=57
